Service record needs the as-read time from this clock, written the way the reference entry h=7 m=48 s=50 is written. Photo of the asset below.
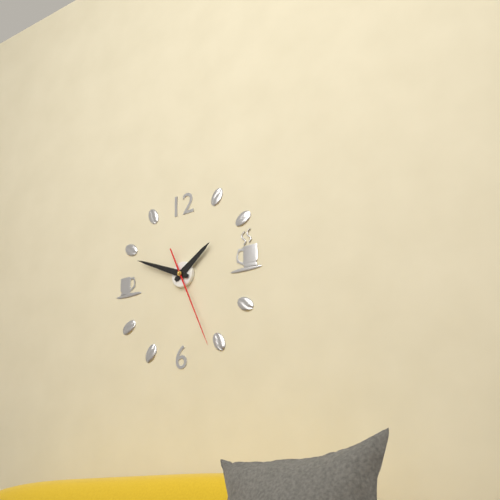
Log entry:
h=1 m=49 s=26
